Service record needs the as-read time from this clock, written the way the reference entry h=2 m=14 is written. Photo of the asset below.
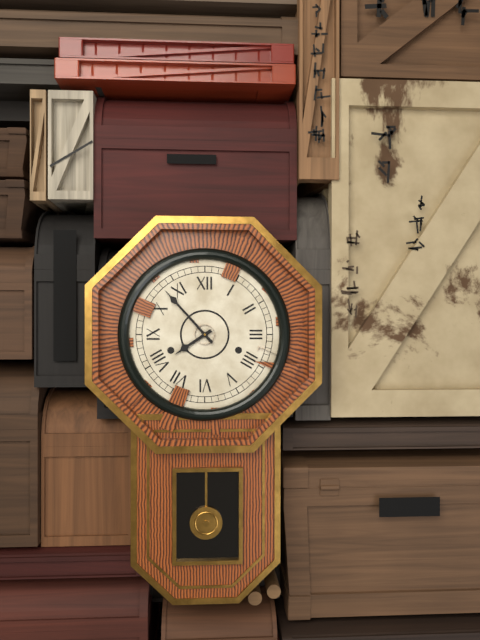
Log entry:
h=7 m=53
